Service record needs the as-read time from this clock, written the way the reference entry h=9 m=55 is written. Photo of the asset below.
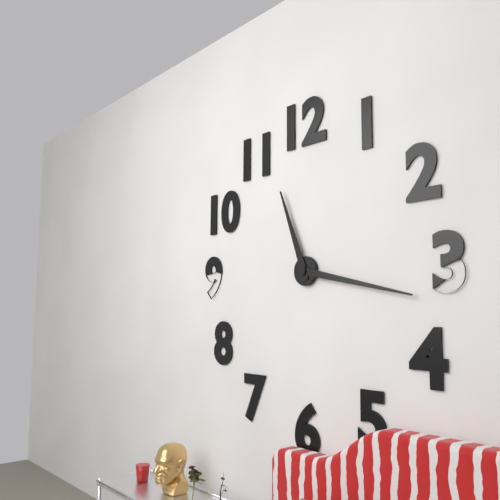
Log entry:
h=11 m=17
